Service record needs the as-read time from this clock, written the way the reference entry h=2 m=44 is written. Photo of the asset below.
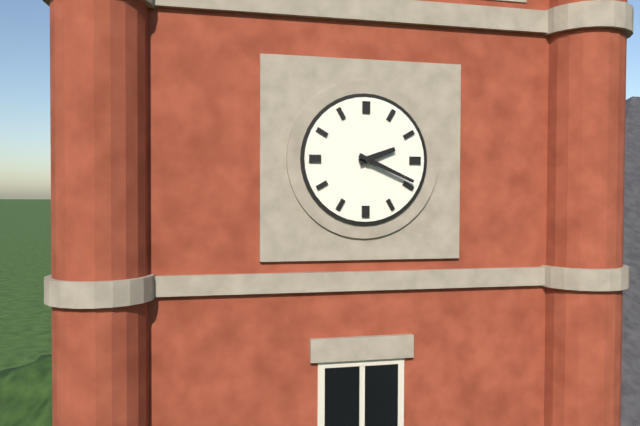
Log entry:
h=2 m=19
